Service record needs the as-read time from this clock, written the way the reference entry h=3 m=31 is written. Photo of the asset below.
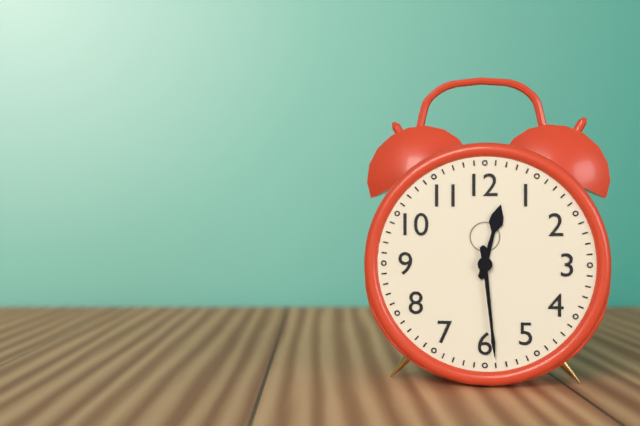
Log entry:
h=12 m=29
